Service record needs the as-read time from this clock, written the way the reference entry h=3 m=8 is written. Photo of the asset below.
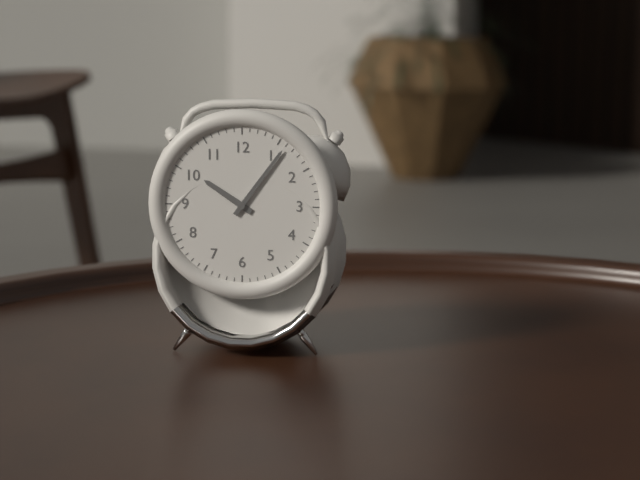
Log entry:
h=10 m=6
